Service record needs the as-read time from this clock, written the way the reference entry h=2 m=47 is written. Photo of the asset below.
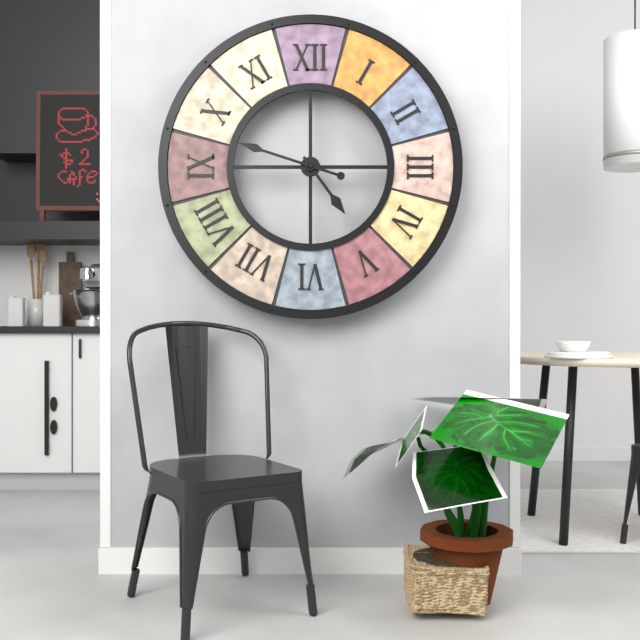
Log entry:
h=4 m=48
